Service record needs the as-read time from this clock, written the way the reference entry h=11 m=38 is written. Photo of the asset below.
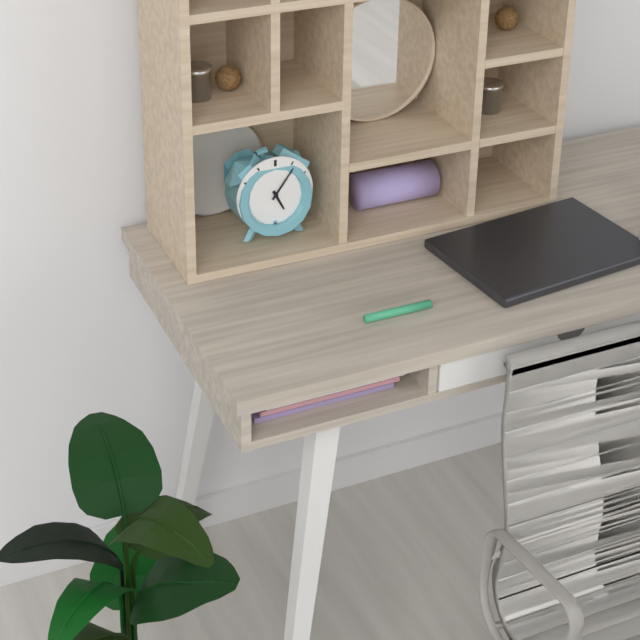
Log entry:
h=5 m=6
